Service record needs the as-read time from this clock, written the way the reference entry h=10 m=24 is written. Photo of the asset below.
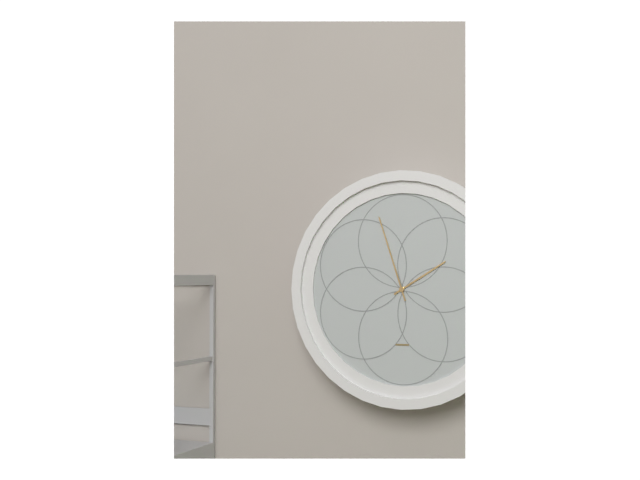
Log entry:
h=1 m=57
